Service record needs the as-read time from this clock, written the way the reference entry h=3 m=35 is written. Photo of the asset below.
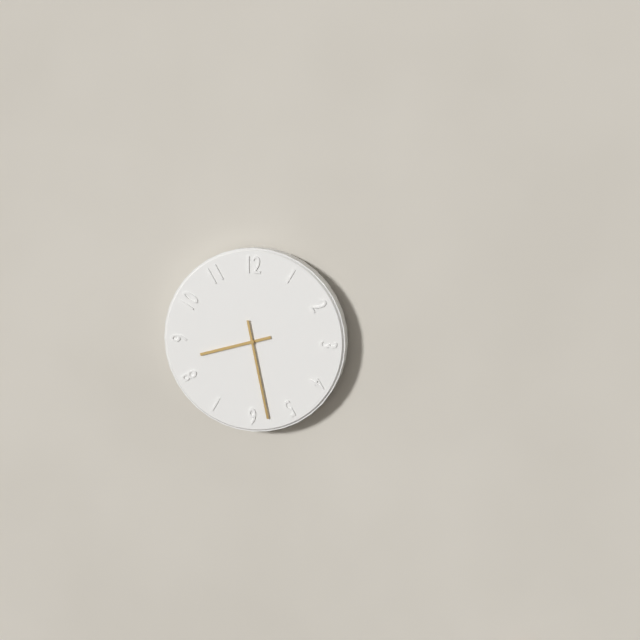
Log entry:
h=8 m=28
